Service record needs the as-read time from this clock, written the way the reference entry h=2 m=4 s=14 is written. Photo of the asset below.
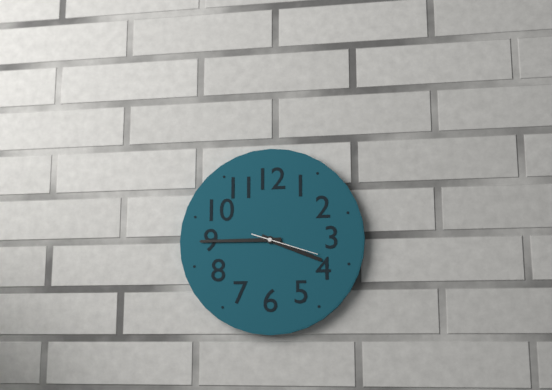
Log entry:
h=3 m=45 s=18
